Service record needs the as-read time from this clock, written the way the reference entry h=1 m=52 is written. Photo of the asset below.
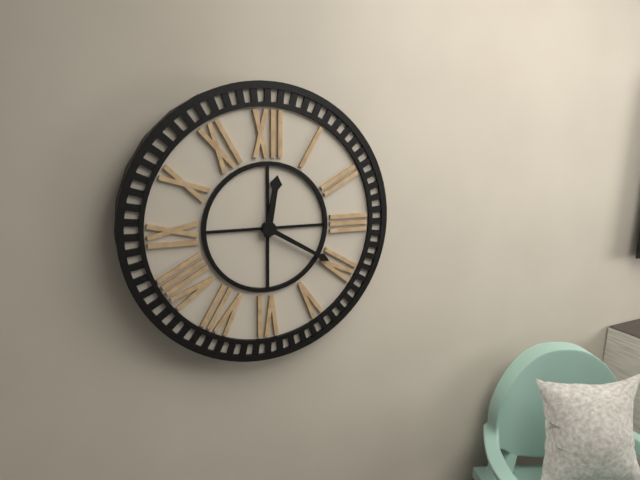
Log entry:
h=12 m=20
